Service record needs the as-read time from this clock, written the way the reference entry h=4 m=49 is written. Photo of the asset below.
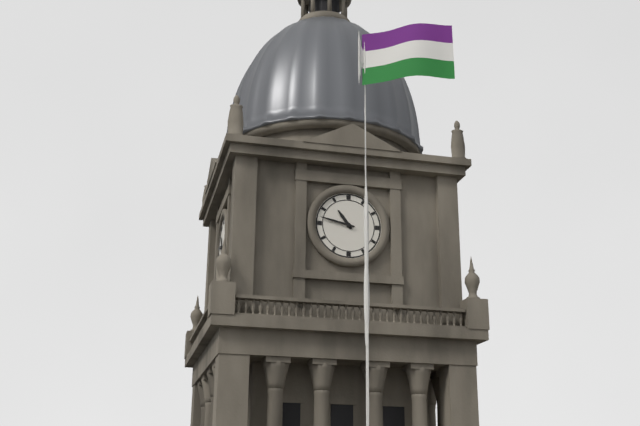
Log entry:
h=10 m=47
